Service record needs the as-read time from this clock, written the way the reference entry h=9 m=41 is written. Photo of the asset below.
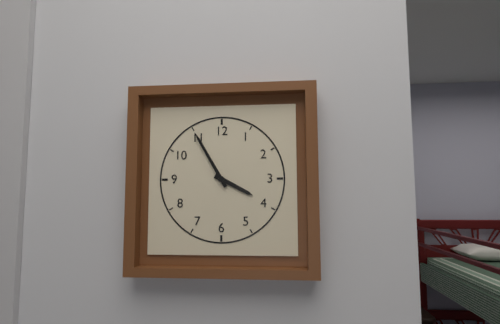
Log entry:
h=3 m=55
